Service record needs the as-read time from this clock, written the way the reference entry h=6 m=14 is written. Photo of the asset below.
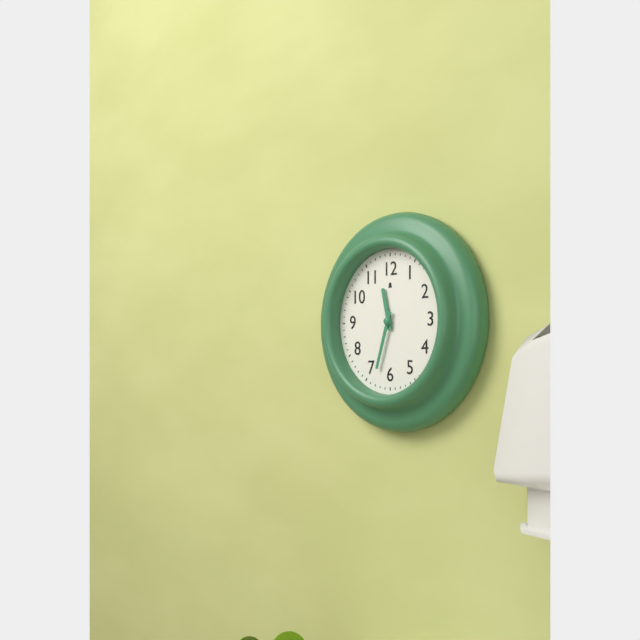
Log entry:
h=11 m=33
